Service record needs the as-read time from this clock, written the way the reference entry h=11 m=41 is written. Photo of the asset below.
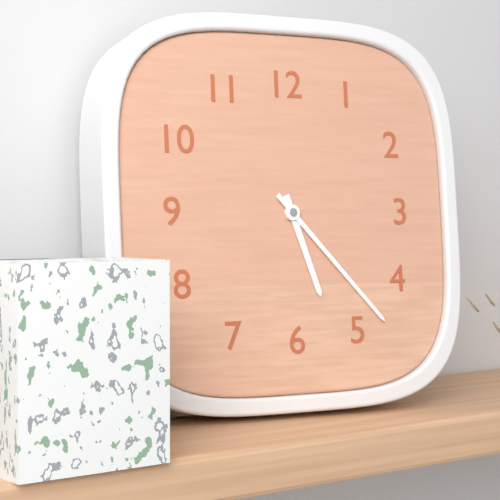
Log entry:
h=5 m=23
